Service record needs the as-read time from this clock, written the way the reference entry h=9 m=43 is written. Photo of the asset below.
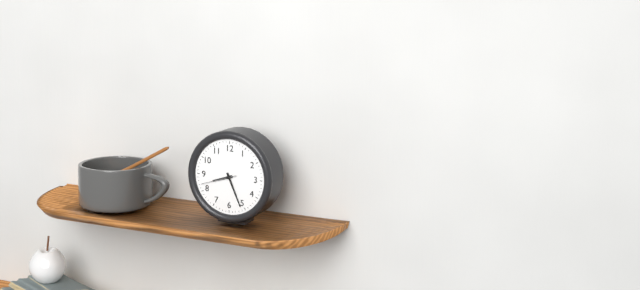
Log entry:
h=8 m=26
